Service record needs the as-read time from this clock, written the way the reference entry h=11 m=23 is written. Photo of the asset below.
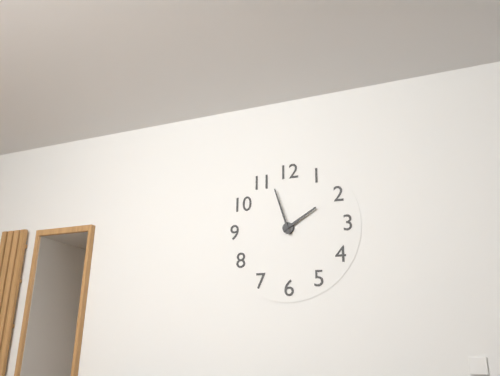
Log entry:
h=1 m=57
